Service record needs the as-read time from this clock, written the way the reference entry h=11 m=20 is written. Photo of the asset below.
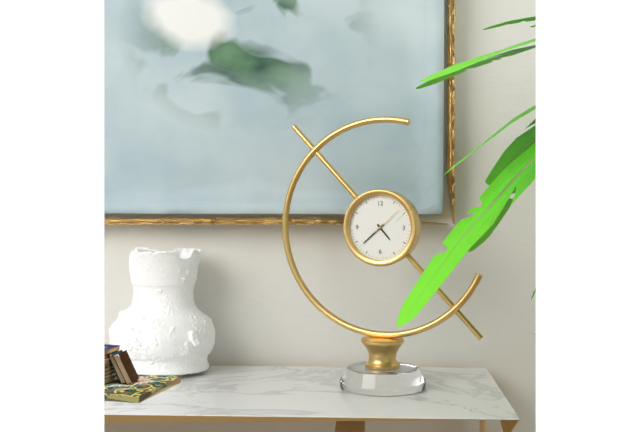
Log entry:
h=4 m=38
